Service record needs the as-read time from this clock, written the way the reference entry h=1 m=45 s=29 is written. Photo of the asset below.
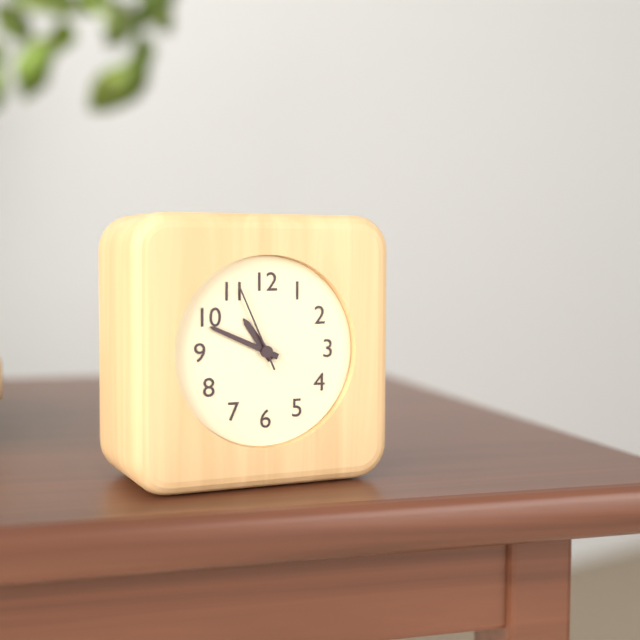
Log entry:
h=10 m=49 s=56
